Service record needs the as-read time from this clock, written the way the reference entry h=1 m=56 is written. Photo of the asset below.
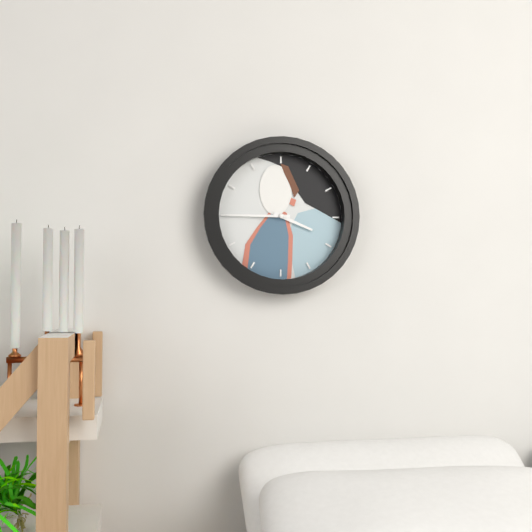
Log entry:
h=3 m=45
